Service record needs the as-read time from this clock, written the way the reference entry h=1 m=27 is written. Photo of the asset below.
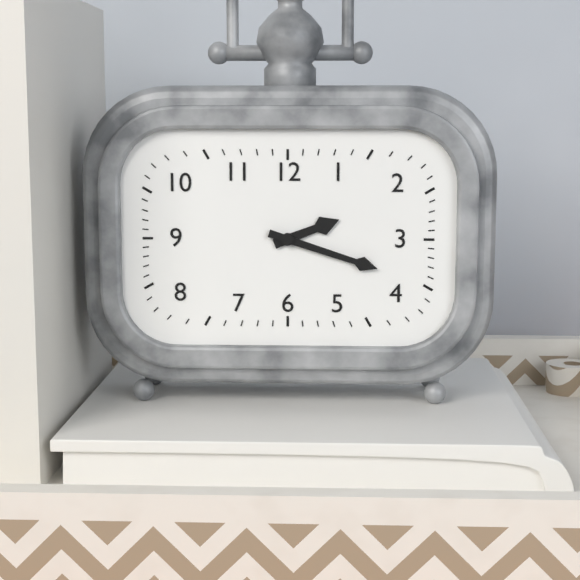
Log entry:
h=2 m=18
